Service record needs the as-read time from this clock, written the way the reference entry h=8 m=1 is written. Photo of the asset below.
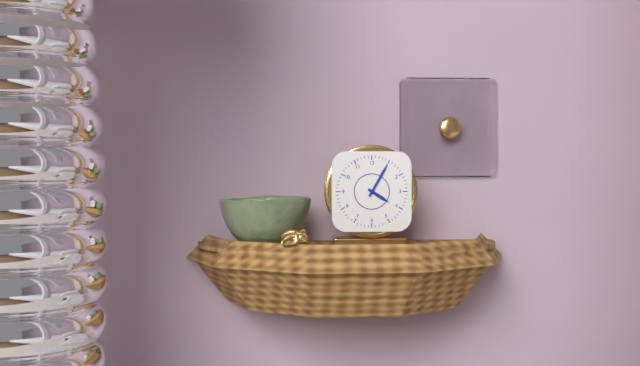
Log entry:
h=4 m=5
